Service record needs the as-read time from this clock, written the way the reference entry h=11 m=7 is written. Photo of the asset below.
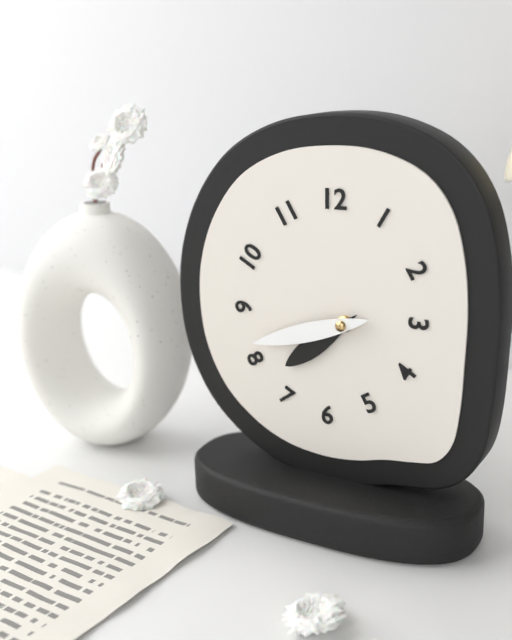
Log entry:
h=7 m=42
